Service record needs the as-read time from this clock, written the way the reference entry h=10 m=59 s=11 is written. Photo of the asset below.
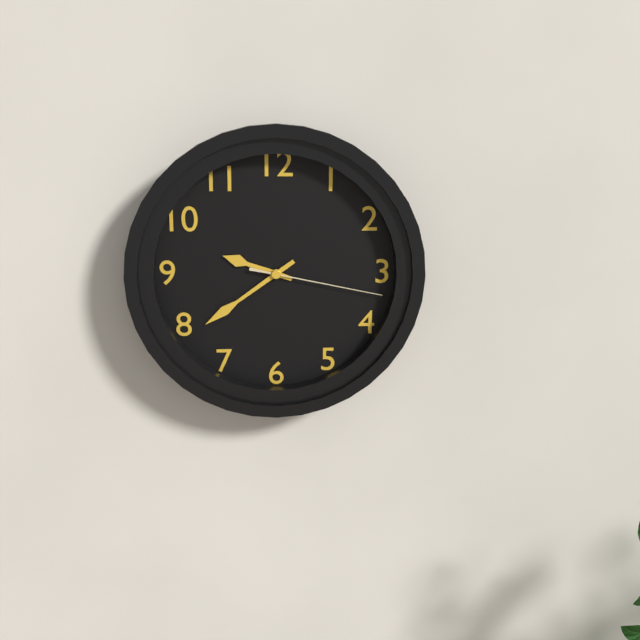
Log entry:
h=9 m=39 s=17
